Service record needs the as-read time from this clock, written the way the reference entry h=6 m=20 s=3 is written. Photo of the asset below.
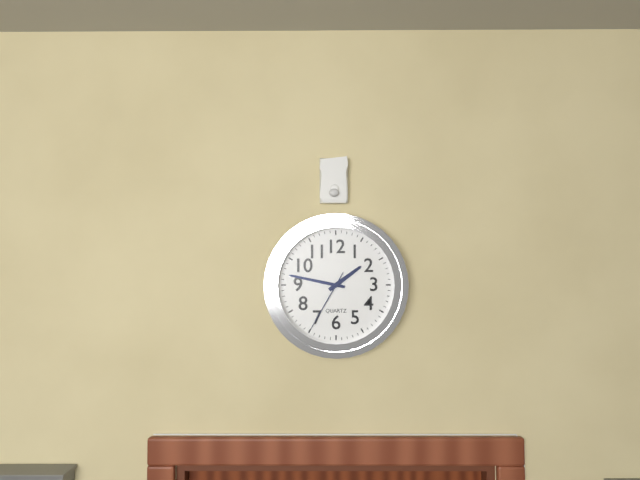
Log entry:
h=1 m=47 s=35
